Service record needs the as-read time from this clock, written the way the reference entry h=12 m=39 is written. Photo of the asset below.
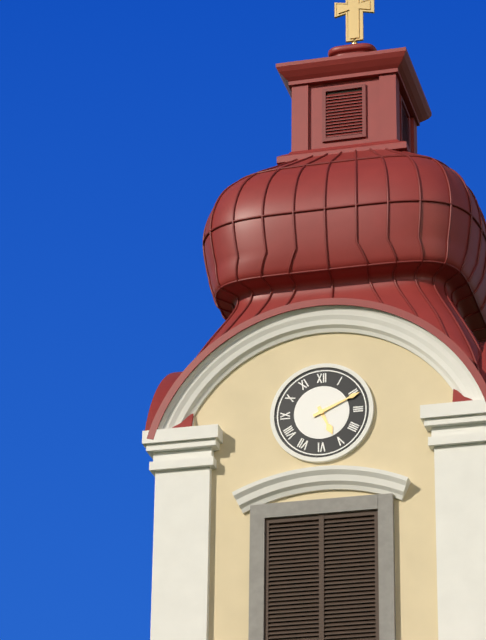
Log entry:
h=5 m=11
